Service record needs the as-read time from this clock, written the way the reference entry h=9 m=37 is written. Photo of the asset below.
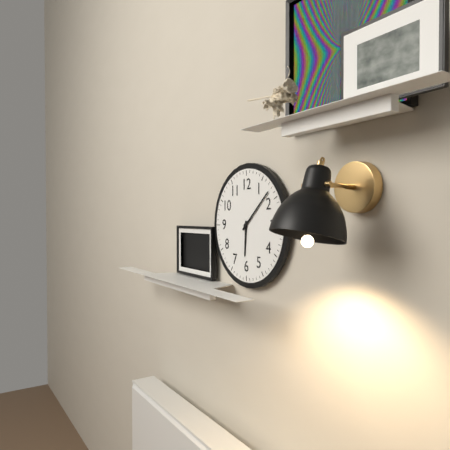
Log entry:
h=6 m=8
